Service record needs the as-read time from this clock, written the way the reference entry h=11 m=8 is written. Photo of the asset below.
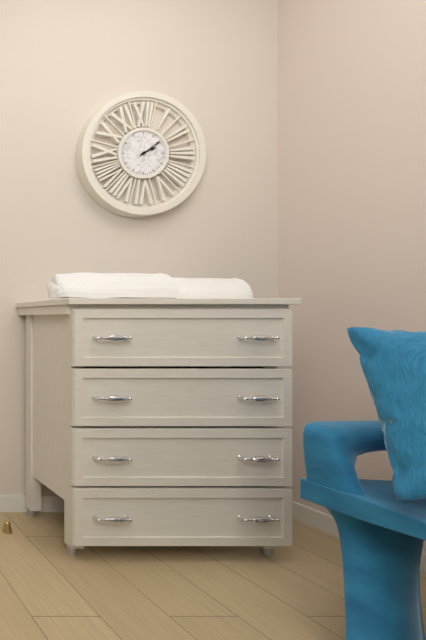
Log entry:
h=2 m=9
